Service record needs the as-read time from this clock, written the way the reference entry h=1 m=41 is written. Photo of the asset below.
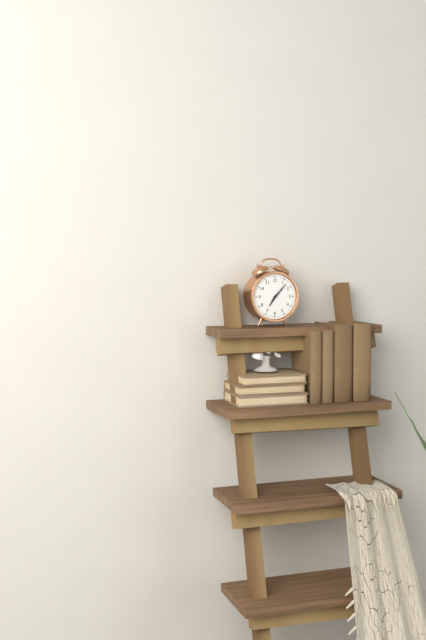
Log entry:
h=7 m=7
